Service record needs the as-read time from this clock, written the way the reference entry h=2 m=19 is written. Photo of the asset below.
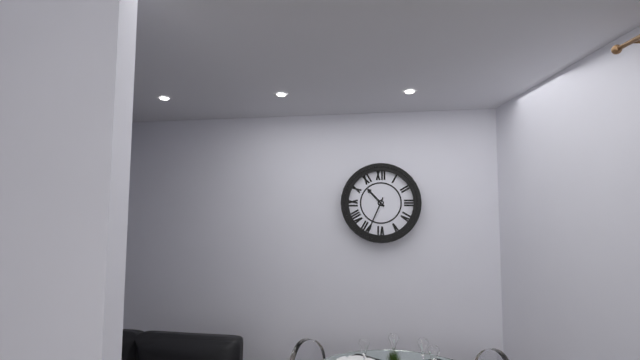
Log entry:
h=10 m=34
